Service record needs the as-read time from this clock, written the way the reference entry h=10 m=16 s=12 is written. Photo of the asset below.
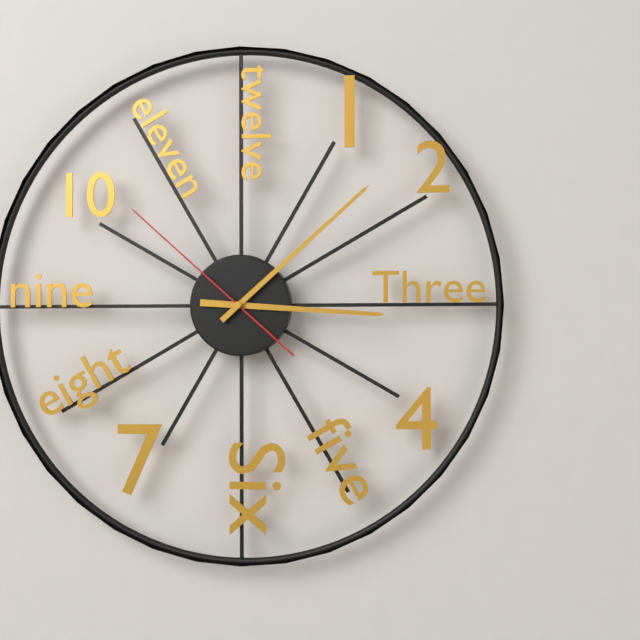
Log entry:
h=3 m=8 s=52
